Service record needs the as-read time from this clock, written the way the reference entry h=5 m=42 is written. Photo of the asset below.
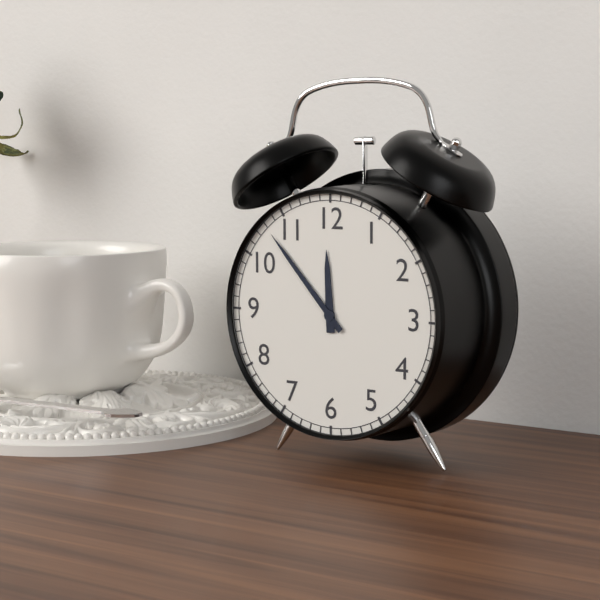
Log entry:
h=11 m=53
